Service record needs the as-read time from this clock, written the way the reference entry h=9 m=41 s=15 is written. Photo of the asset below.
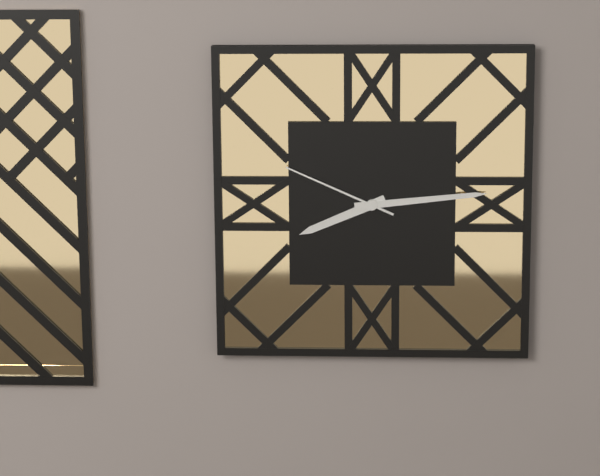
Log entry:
h=8 m=14 s=49
